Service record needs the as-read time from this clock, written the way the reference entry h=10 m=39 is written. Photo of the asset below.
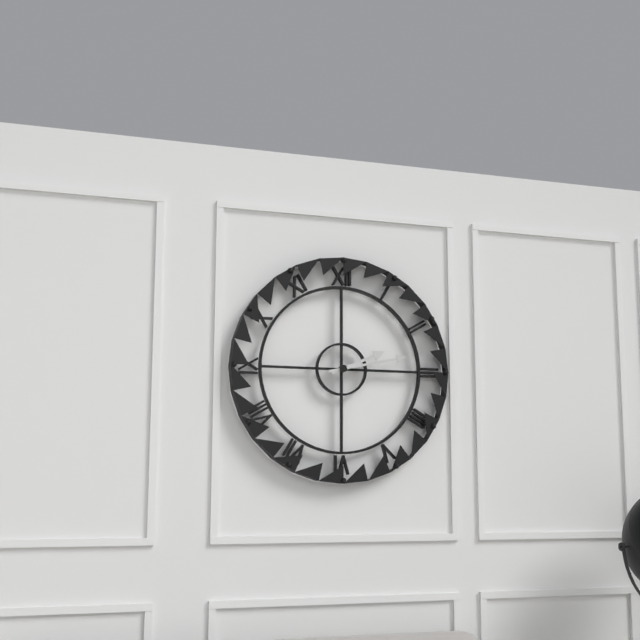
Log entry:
h=2 m=13
